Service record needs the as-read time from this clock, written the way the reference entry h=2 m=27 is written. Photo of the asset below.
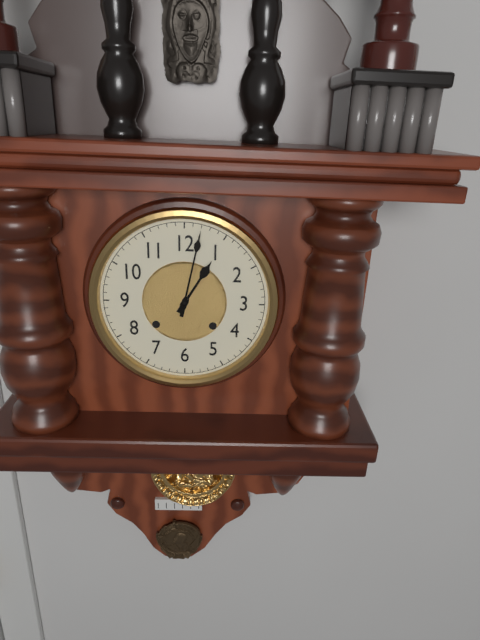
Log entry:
h=1 m=2
